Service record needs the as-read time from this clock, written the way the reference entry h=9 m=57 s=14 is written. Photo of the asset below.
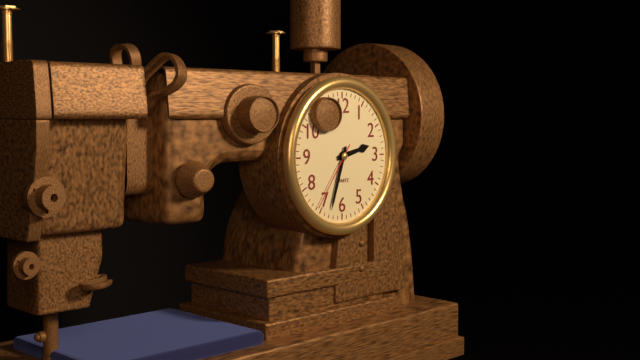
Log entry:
h=2 m=33 s=36
